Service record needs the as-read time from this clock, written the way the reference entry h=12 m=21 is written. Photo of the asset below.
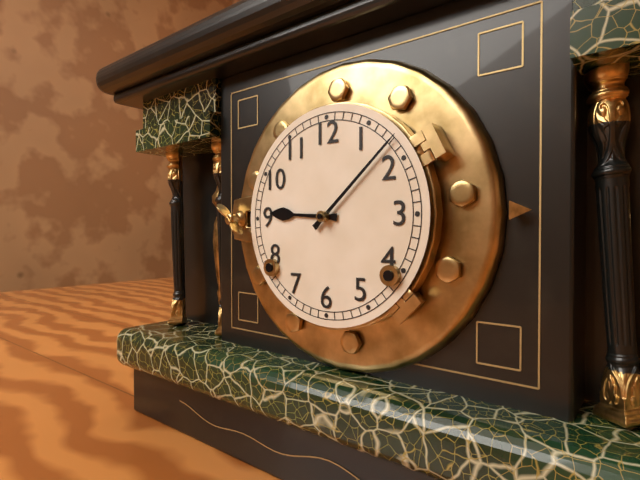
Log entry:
h=9 m=8
